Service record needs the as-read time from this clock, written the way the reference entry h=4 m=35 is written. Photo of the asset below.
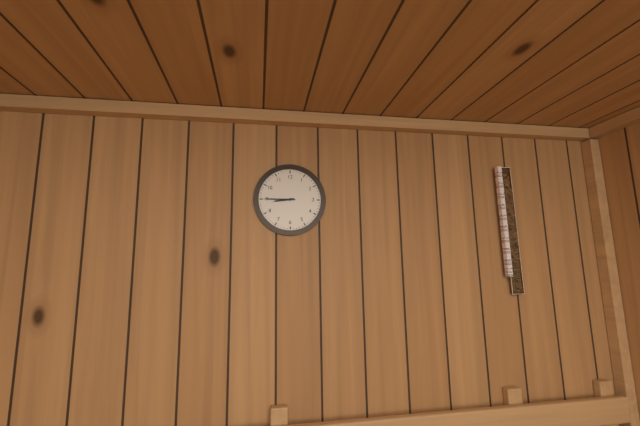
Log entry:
h=8 m=45
